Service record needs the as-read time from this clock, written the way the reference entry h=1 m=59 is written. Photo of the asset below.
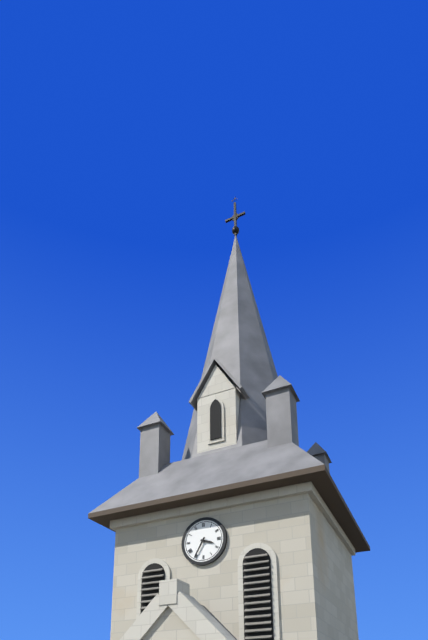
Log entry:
h=3 m=35
